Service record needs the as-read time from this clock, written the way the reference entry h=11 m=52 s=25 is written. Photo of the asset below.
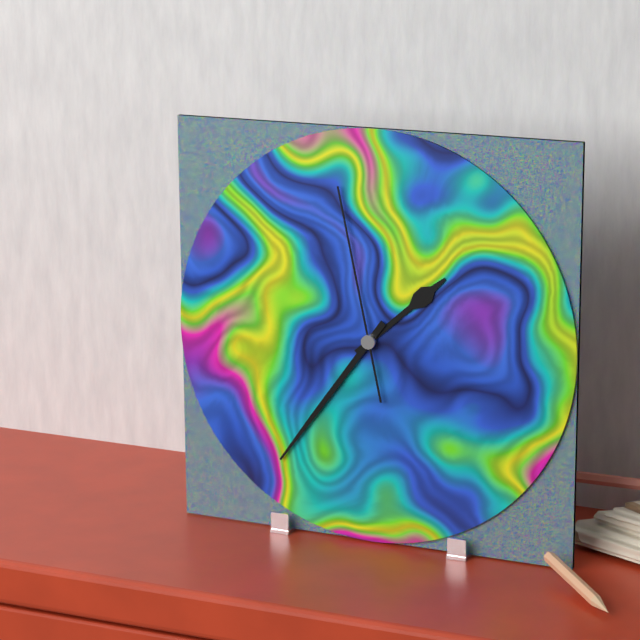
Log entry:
h=1 m=36 s=58
